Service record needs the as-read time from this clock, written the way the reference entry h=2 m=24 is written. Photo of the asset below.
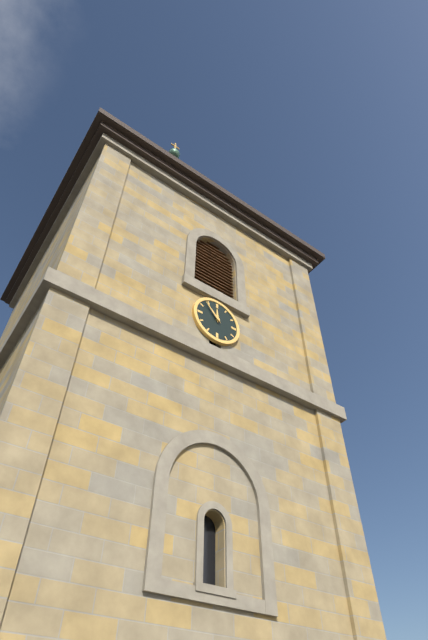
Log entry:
h=11 m=53
